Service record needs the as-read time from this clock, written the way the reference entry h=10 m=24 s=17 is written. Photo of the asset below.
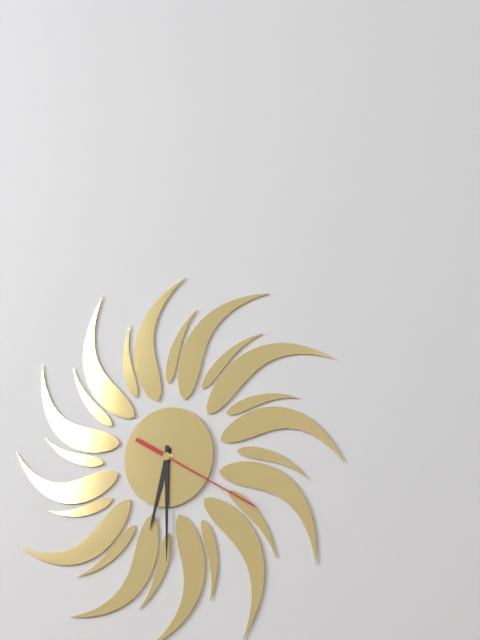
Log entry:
h=6 m=30 s=20
